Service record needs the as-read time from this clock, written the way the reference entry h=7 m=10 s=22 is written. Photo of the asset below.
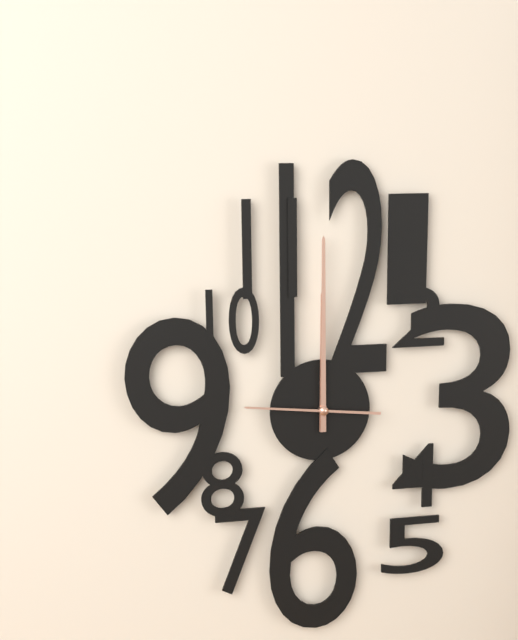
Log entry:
h=12 m=0 s=46
